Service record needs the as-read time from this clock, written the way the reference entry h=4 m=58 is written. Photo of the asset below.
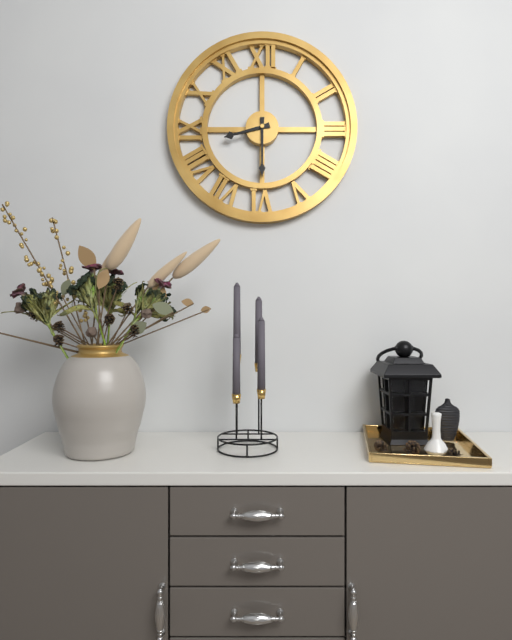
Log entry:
h=8 m=30
